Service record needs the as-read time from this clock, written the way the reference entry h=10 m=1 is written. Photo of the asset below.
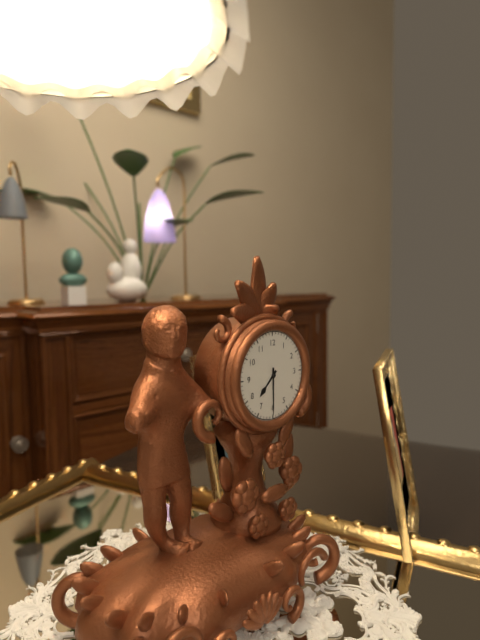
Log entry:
h=7 m=30
